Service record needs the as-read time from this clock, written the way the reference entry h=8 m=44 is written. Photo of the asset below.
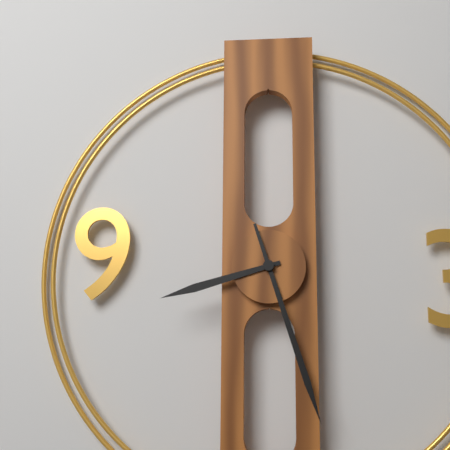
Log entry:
h=8 m=27
